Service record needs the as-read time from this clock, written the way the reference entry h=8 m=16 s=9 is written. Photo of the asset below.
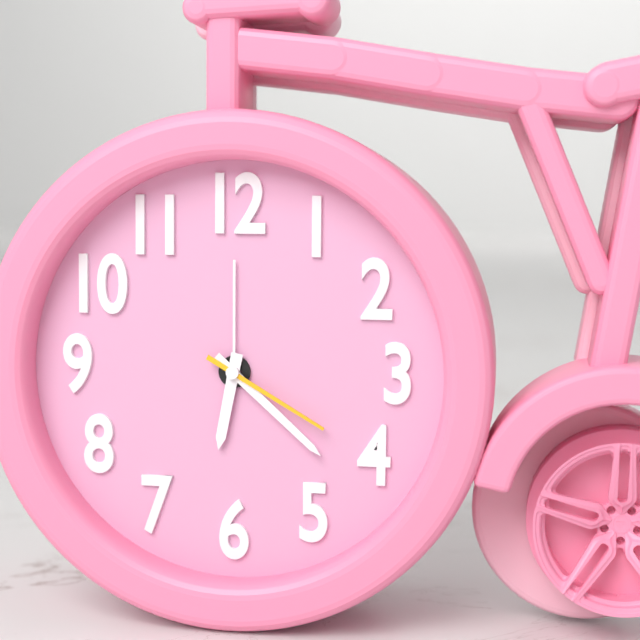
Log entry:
h=6 m=22 s=20
